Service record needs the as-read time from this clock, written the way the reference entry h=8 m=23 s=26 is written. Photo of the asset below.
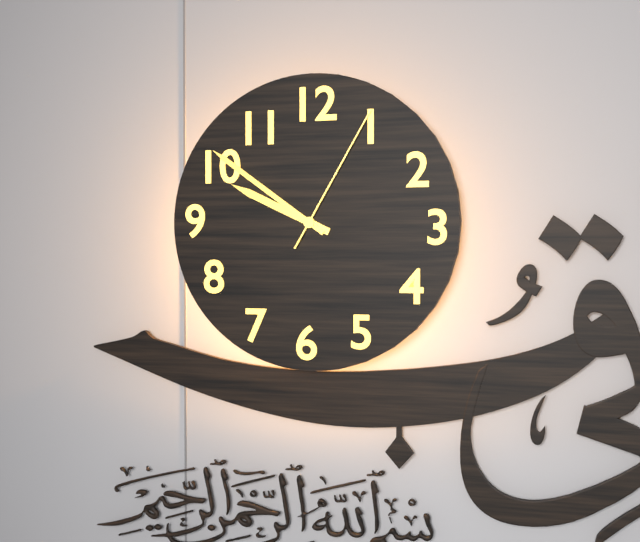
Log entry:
h=9 m=51 s=5
